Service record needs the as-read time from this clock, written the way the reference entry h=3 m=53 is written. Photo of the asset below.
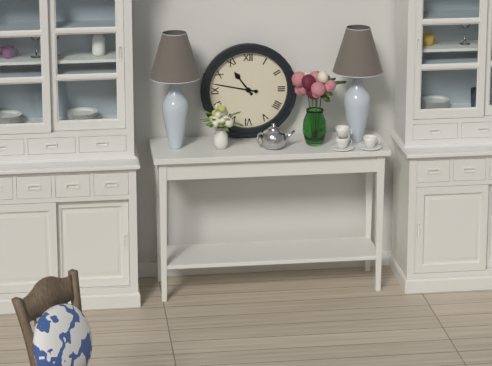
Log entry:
h=10 m=47
